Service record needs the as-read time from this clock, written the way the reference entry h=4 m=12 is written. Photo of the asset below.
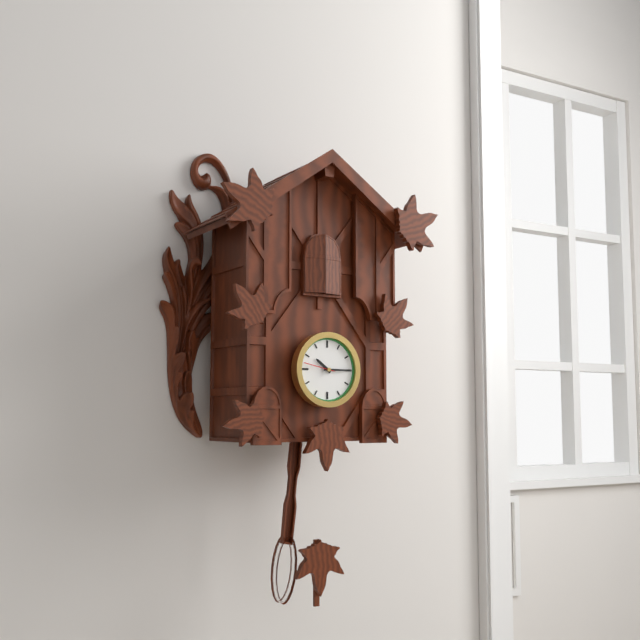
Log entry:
h=10 m=15
